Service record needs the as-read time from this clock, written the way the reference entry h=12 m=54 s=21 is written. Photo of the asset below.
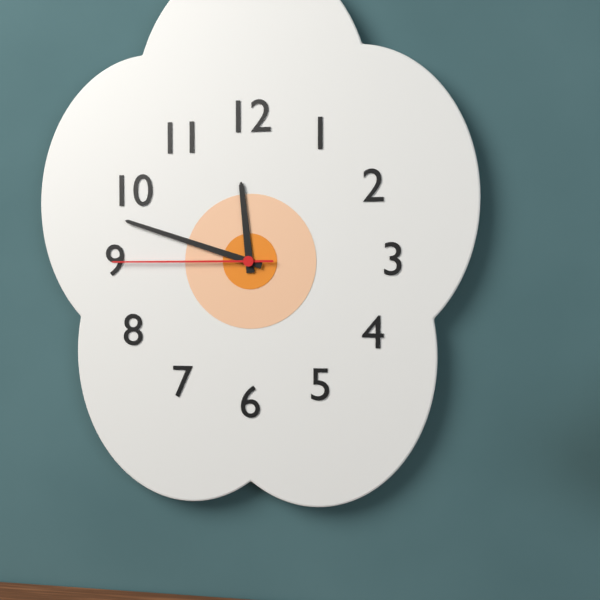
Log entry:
h=11 m=48 s=45
